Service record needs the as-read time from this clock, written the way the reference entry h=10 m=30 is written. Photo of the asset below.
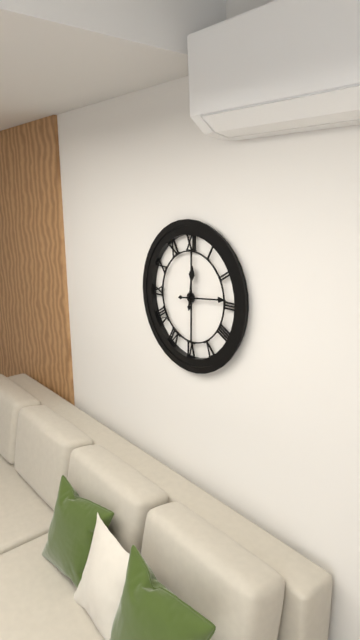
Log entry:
h=12 m=14
